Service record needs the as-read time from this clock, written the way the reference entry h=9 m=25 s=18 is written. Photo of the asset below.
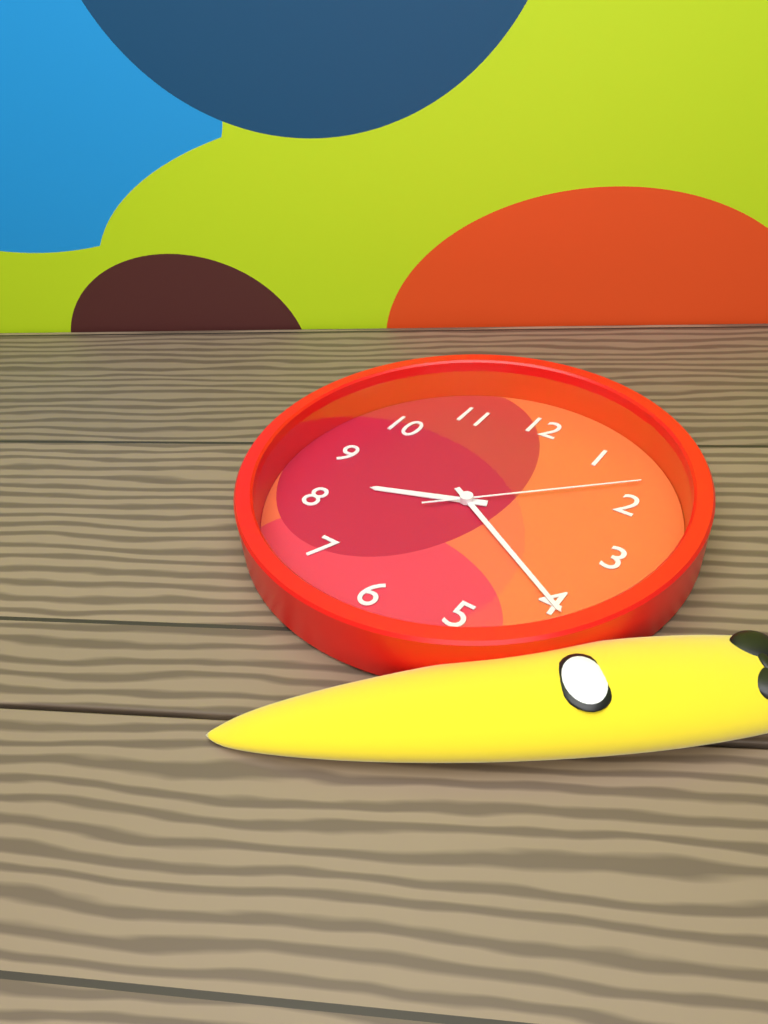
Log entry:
h=8 m=20 s=8
